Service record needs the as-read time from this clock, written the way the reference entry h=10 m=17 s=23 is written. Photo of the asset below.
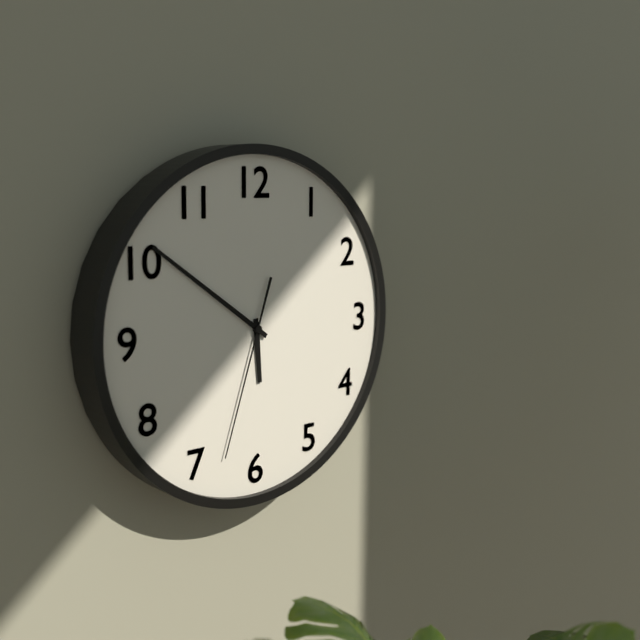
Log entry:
h=5 m=51 s=33
